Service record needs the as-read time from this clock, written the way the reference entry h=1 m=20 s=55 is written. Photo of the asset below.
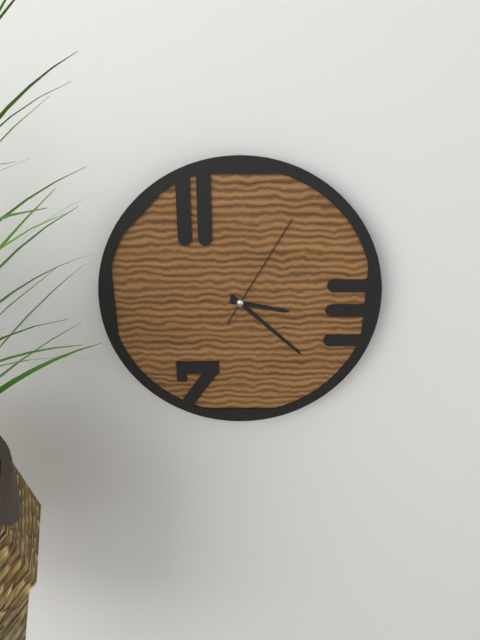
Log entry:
h=3 m=22 s=5
